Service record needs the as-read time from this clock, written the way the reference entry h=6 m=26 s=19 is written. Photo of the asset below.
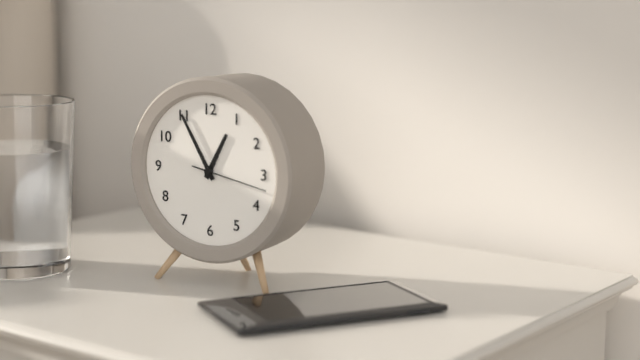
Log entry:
h=12 m=55 s=17
